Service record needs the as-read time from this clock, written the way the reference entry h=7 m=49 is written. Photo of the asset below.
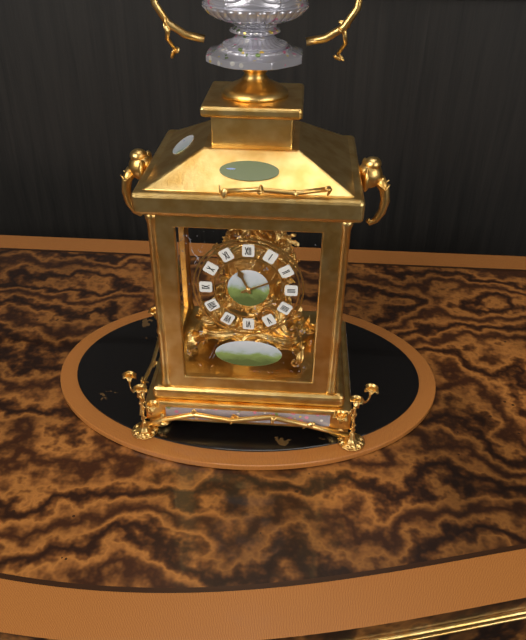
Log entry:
h=11 m=11
